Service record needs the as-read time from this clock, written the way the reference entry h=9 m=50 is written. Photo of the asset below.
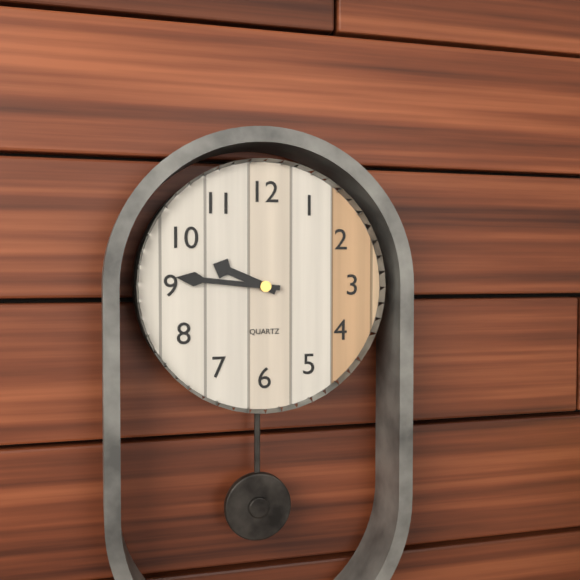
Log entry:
h=9 m=46
